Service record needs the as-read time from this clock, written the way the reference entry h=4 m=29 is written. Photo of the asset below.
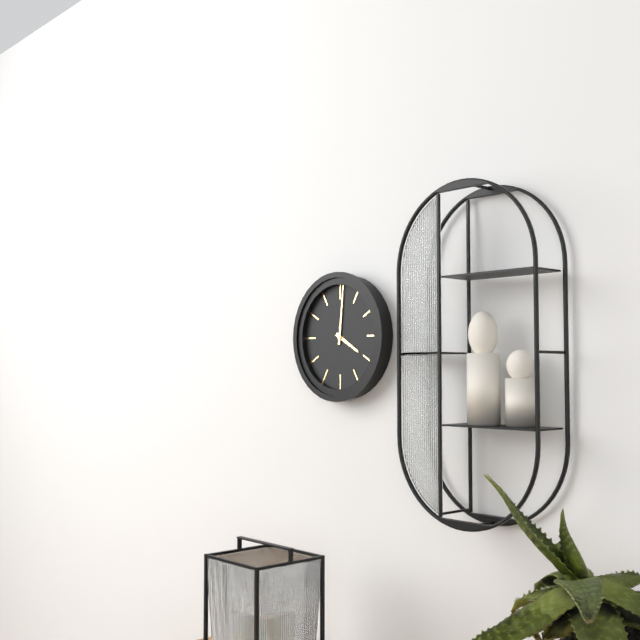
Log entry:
h=4 m=1
